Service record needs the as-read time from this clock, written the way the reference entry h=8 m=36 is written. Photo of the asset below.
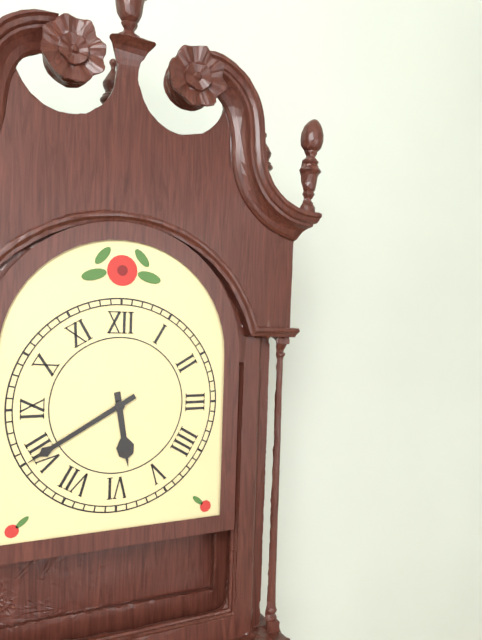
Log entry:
h=5 m=40
